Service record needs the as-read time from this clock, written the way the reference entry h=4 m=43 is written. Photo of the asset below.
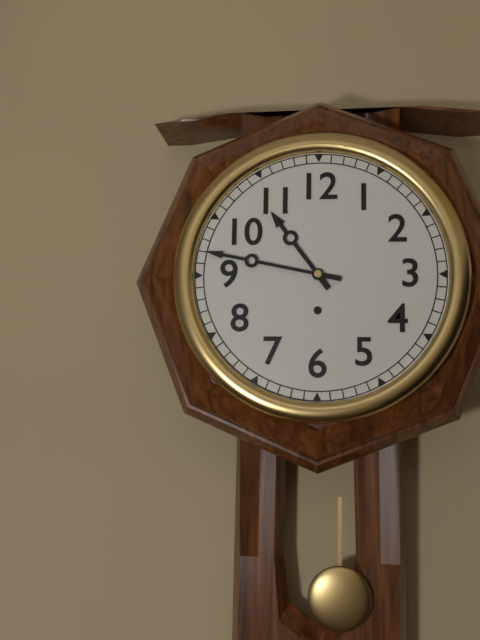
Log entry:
h=10 m=47
